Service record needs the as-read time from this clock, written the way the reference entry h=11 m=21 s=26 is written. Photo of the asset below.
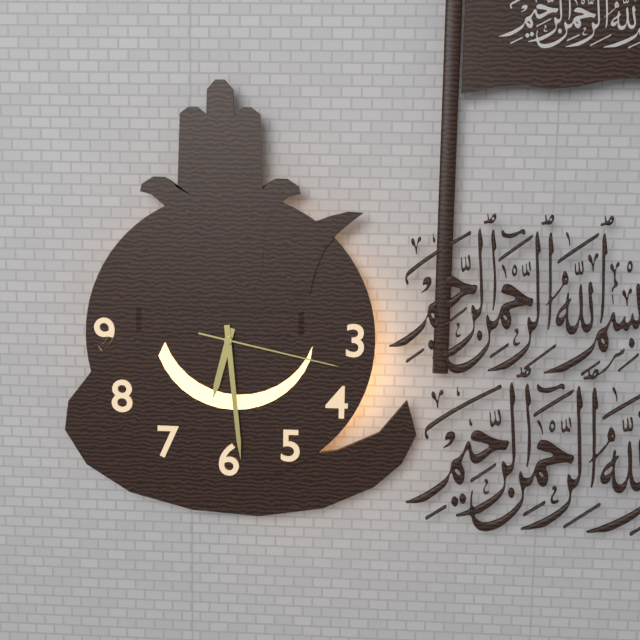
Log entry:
h=6 m=29 s=17
